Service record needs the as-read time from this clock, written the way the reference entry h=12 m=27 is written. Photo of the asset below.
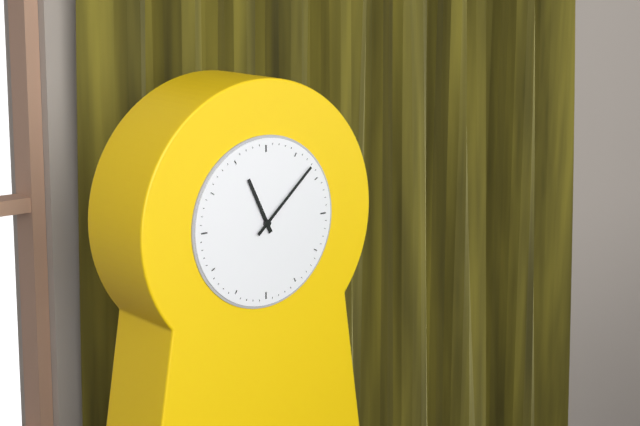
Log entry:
h=11 m=8
